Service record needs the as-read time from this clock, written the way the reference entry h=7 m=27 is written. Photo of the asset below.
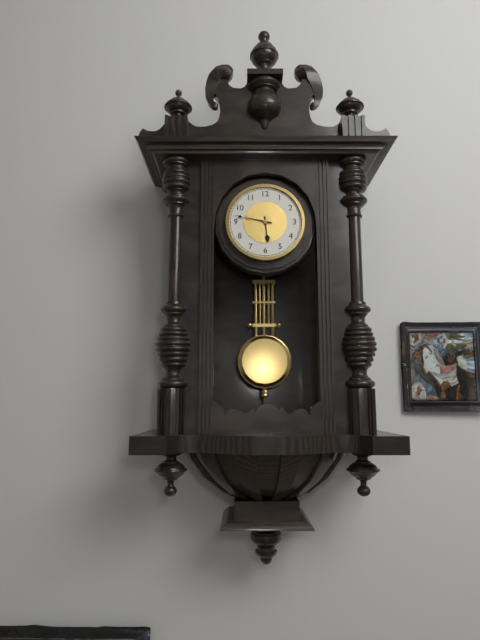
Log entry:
h=5 m=47
